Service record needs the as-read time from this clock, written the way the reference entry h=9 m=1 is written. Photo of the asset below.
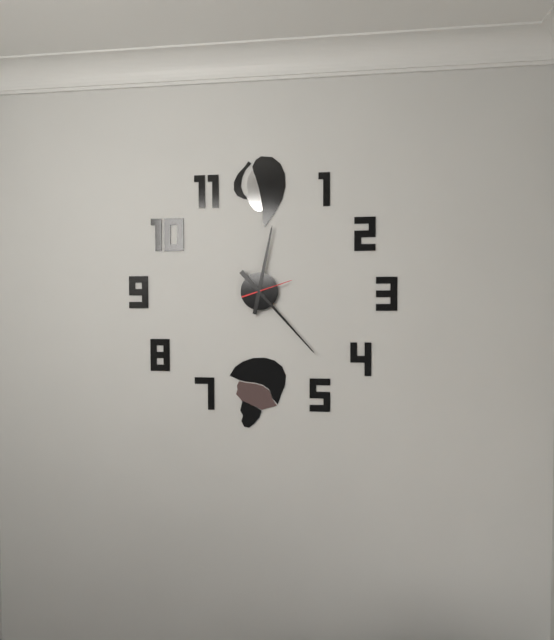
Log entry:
h=12 m=23
